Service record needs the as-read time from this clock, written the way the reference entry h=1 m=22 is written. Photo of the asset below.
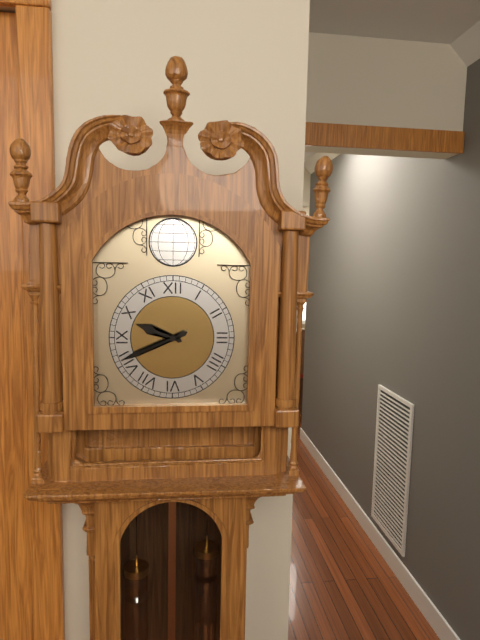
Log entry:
h=9 m=41
